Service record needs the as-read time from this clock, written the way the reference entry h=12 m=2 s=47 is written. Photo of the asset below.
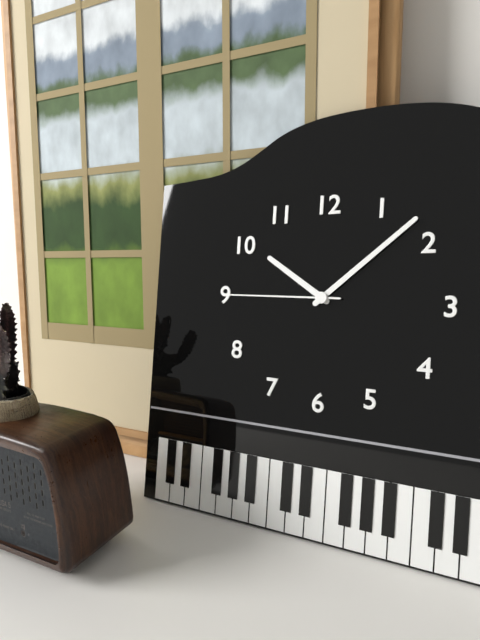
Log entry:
h=10 m=8 s=45
